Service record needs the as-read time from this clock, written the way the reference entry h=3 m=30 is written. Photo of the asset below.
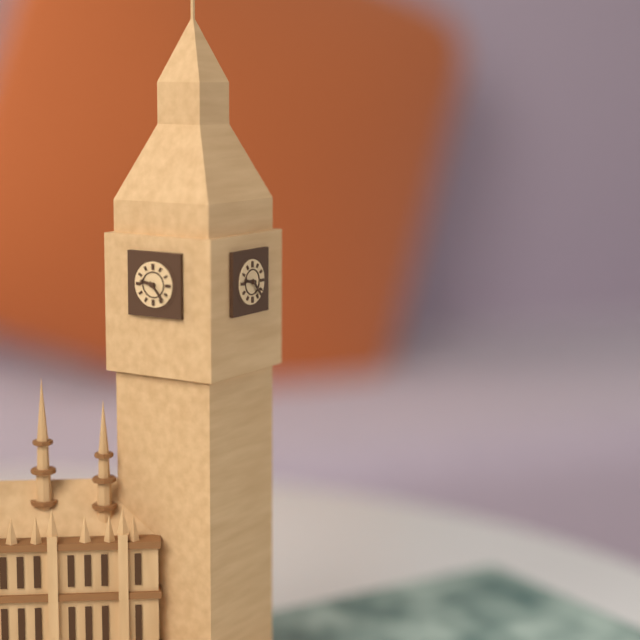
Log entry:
h=9 m=23
